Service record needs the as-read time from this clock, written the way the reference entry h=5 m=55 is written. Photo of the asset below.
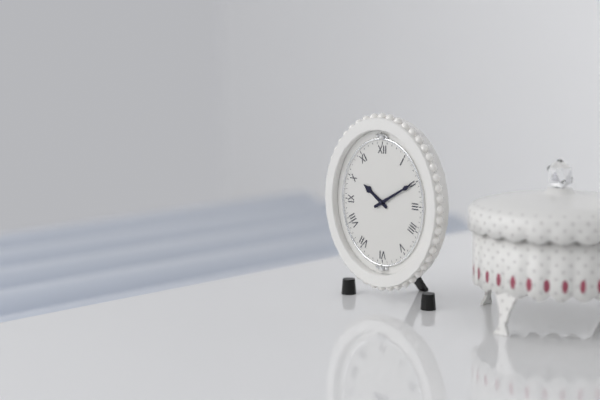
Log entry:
h=10 m=10
